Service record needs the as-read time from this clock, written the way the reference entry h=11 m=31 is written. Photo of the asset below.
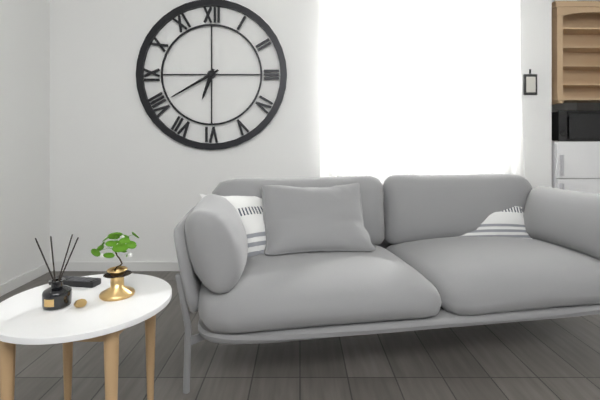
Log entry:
h=6 m=40
